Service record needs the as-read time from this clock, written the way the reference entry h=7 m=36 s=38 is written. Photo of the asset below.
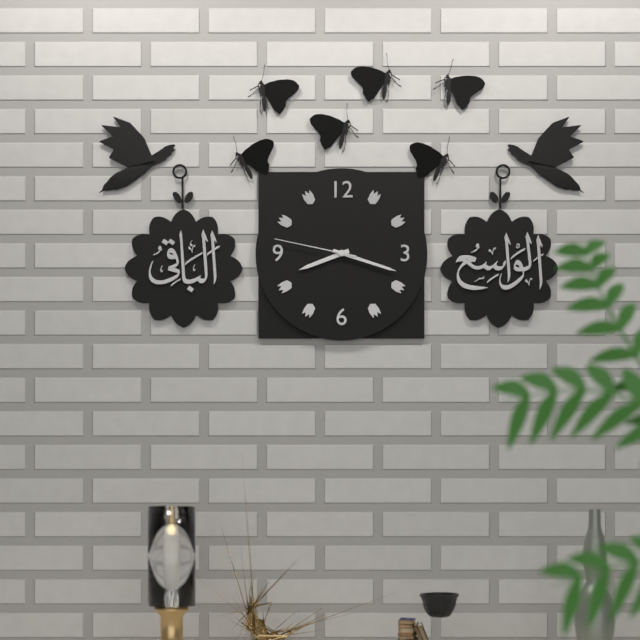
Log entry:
h=8 m=18 s=47
